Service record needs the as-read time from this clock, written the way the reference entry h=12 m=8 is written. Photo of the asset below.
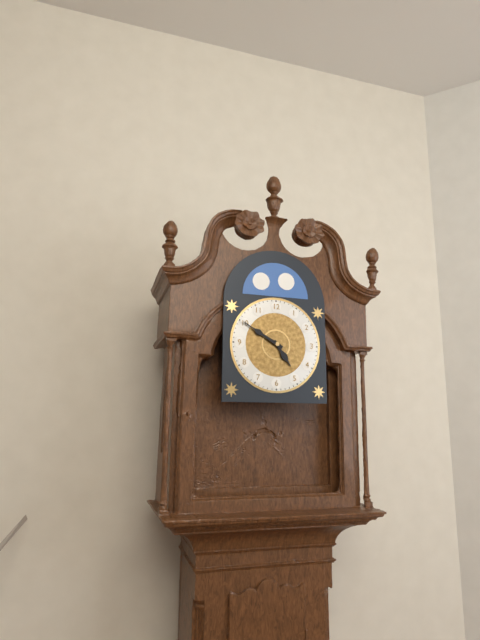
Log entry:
h=4 m=50
